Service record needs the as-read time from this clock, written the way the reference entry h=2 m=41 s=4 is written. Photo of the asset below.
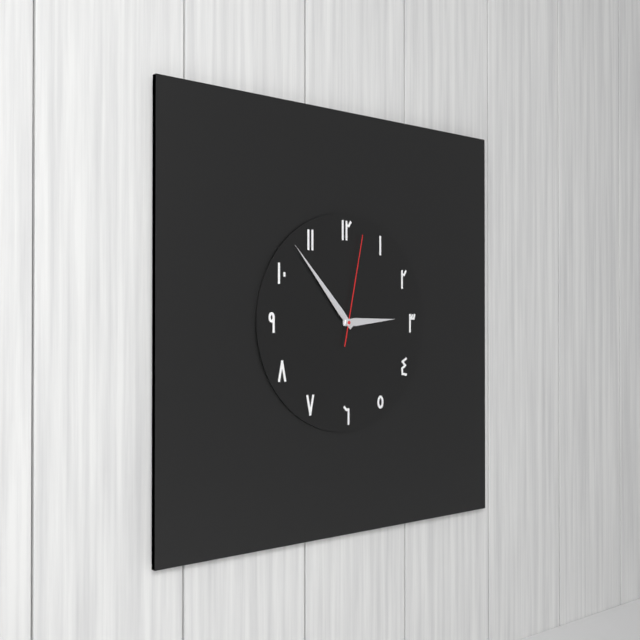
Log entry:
h=2 m=53 s=2
